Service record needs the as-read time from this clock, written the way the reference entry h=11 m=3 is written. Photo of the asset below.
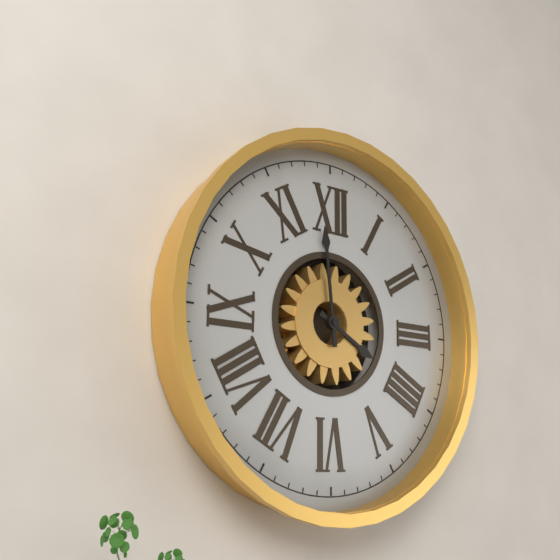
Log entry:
h=3 m=59
